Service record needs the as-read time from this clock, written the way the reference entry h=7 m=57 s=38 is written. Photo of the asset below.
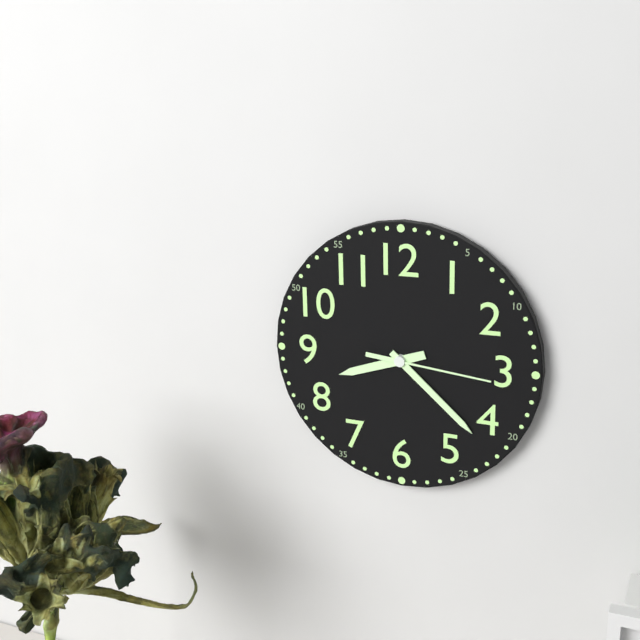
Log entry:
h=8 m=22 s=16
